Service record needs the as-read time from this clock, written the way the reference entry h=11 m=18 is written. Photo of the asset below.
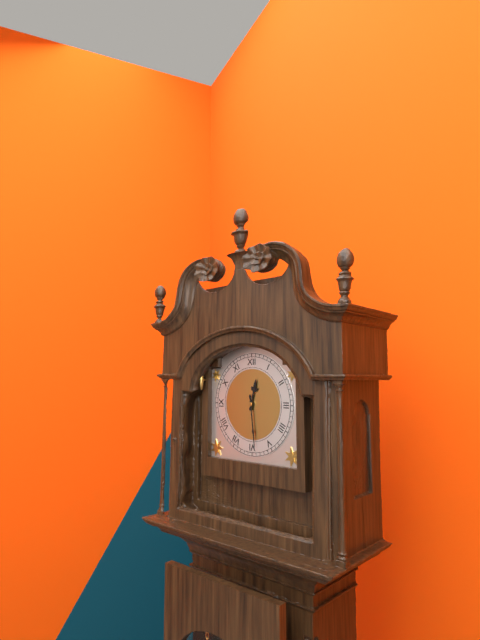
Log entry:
h=12 m=29
